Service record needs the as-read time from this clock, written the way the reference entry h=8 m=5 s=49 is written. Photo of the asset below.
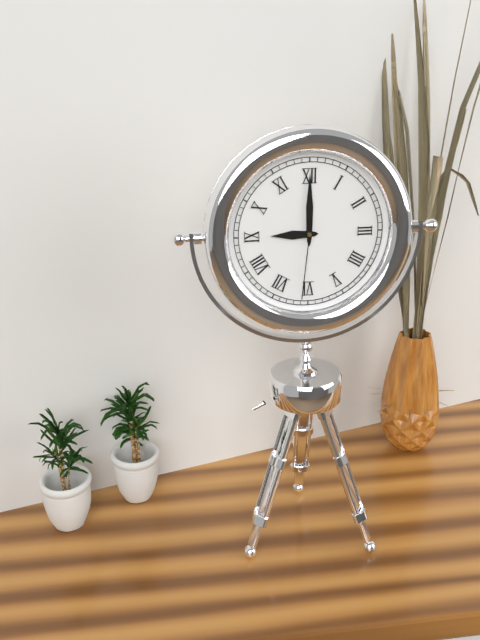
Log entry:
h=9 m=0 s=31
